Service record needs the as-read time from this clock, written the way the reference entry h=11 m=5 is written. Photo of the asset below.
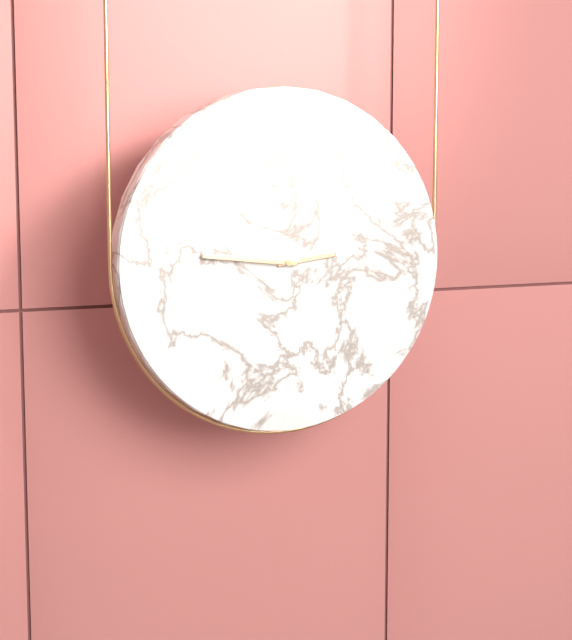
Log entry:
h=2 m=46
